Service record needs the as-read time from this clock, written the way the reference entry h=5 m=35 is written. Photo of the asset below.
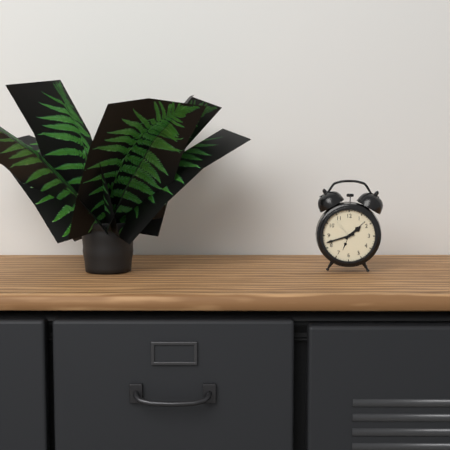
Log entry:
h=1 m=42
